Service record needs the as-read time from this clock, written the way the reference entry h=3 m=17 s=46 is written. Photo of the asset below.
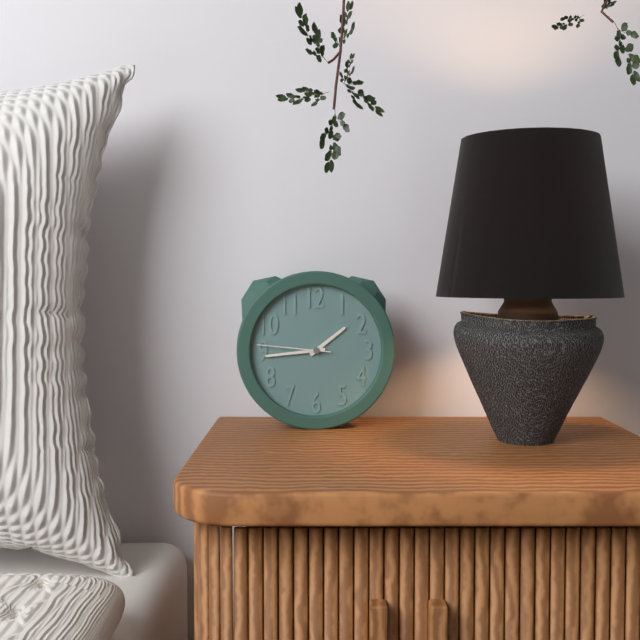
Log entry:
h=1 m=44 s=46
